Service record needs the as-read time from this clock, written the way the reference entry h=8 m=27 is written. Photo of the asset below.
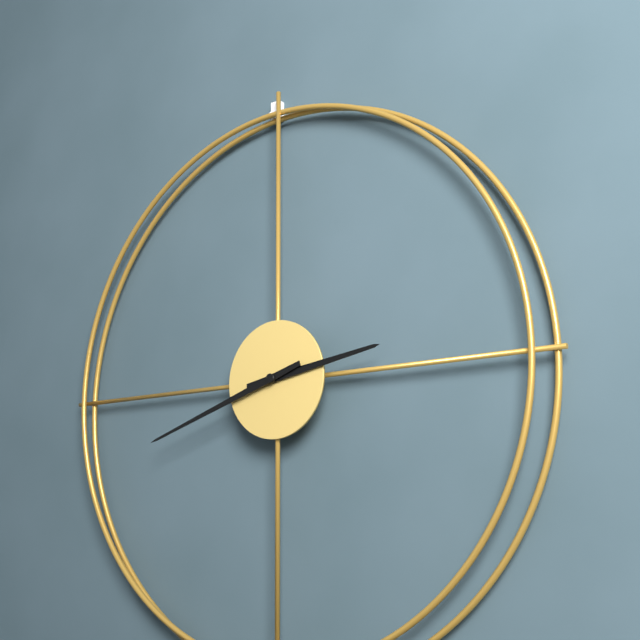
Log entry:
h=2 m=42
